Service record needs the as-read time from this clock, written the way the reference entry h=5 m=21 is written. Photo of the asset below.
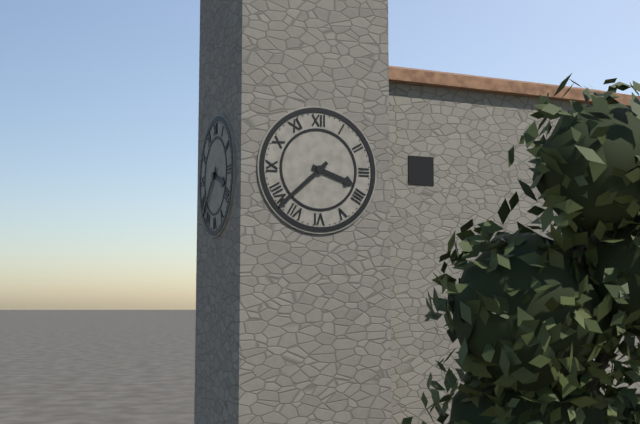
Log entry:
h=3 m=38
